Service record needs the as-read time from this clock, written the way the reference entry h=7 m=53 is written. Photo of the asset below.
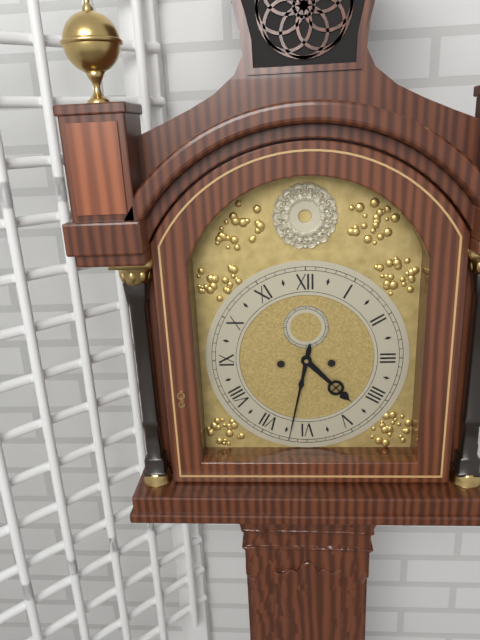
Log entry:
h=4 m=32
